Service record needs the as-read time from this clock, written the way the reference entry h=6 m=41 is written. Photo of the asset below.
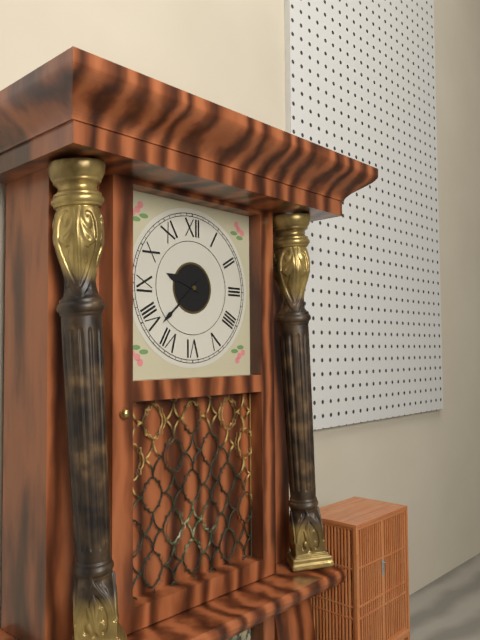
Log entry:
h=9 m=38
